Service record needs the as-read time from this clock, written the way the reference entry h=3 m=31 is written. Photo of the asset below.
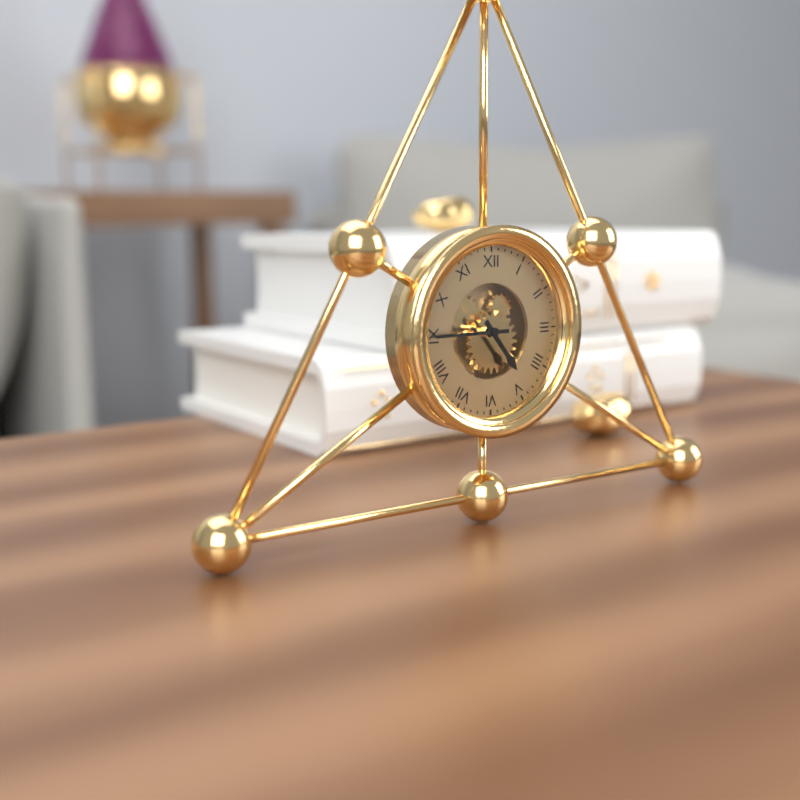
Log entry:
h=4 m=45
